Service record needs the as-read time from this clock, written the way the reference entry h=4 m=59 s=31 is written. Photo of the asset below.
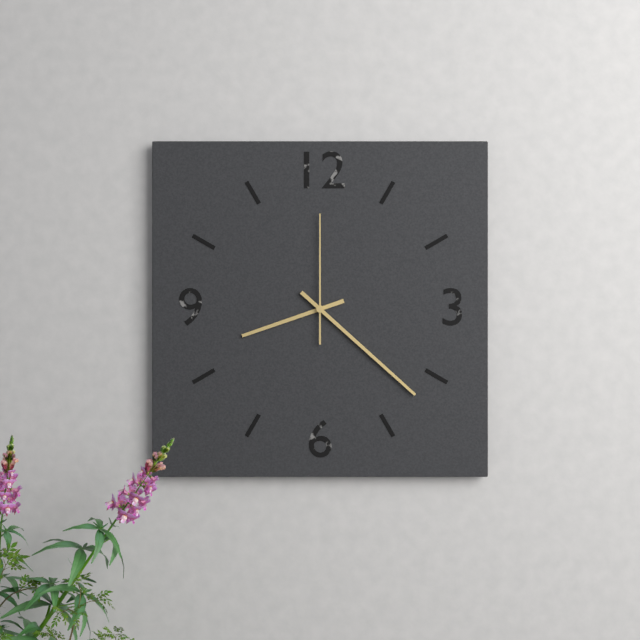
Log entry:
h=8 m=22 s=0
